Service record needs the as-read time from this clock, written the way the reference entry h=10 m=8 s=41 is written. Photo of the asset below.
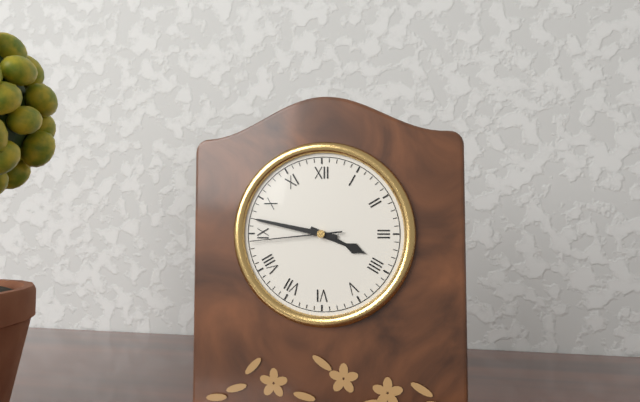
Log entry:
h=3 m=47 s=44
